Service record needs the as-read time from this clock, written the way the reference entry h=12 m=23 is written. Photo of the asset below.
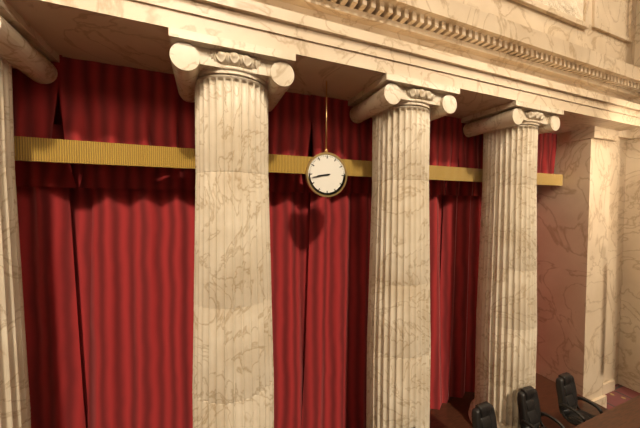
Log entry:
h=8 m=43
